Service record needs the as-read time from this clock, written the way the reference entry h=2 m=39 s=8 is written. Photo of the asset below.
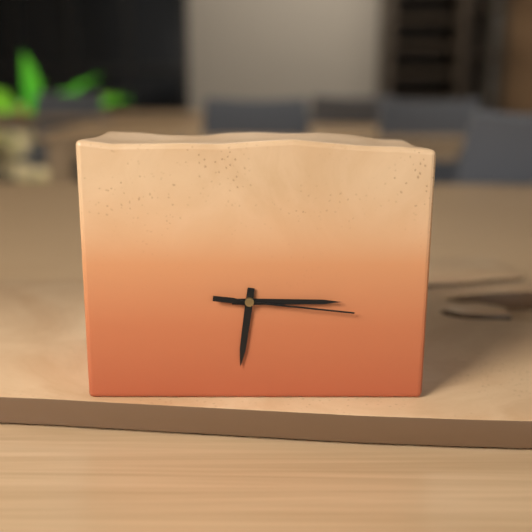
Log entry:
h=6 m=15 s=16
